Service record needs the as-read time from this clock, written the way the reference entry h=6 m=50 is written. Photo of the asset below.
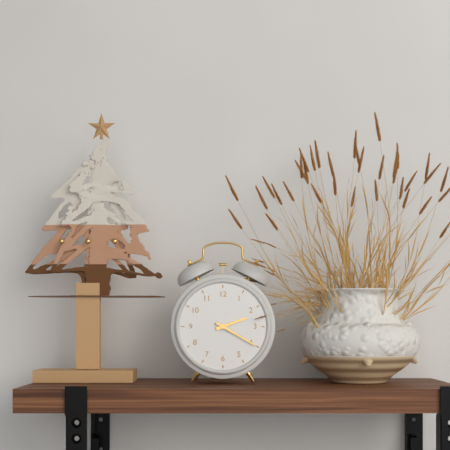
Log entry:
h=2 m=20
